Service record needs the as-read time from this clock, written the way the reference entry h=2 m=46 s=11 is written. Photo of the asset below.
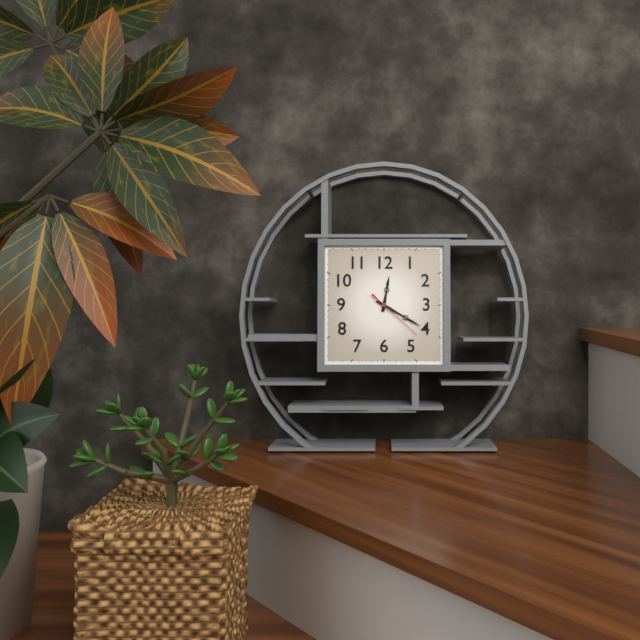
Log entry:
h=12 m=20 s=22
